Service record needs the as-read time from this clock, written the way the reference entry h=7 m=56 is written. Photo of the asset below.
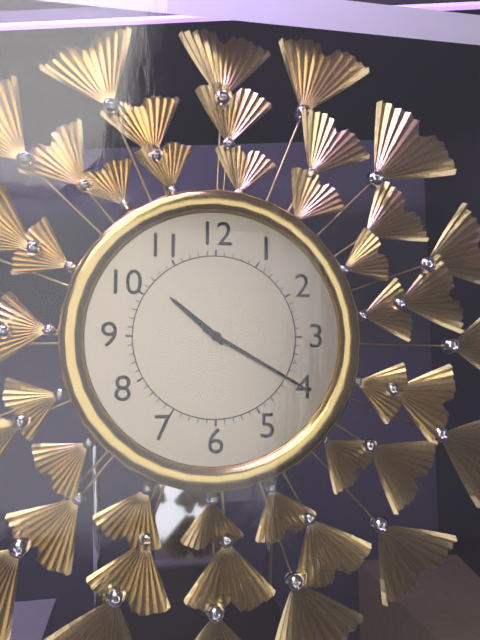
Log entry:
h=10 m=20
